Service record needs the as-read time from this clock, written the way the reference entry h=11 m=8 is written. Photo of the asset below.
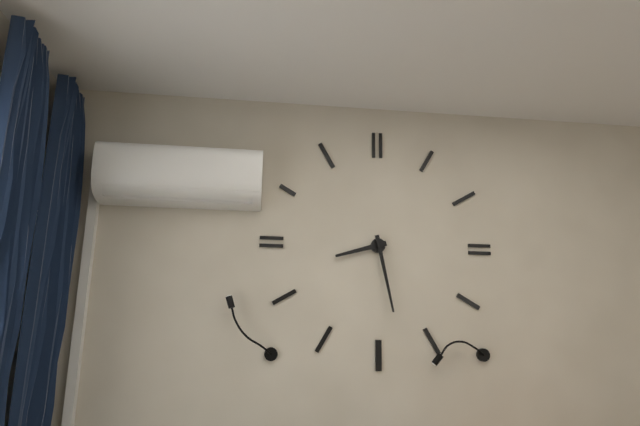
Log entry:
h=8 m=28
